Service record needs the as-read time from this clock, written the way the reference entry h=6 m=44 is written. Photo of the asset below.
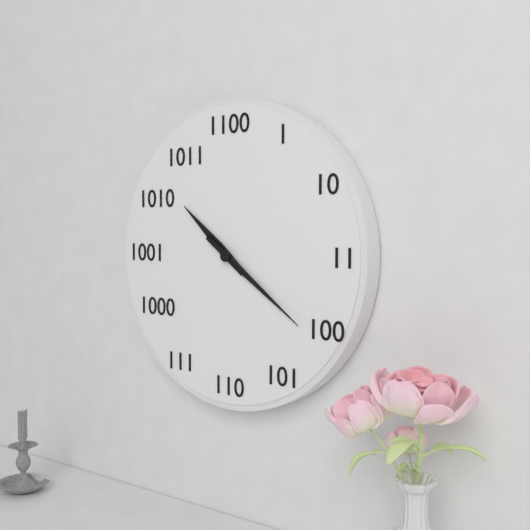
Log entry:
h=10 m=21
